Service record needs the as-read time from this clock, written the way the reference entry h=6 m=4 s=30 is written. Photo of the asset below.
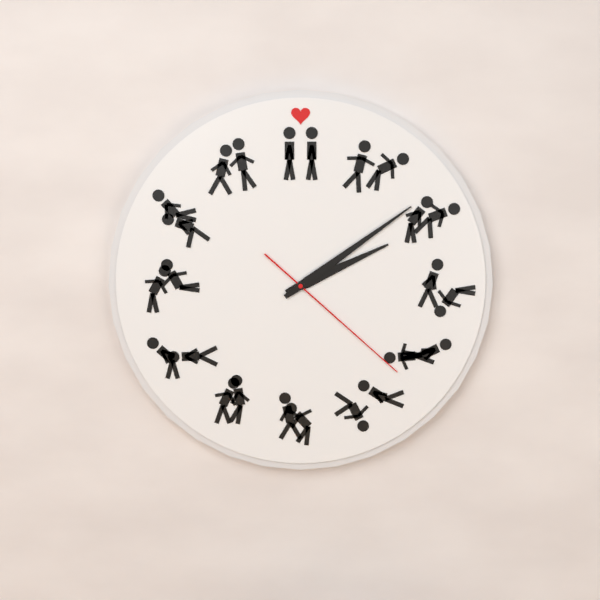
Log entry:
h=2 m=9 s=22
